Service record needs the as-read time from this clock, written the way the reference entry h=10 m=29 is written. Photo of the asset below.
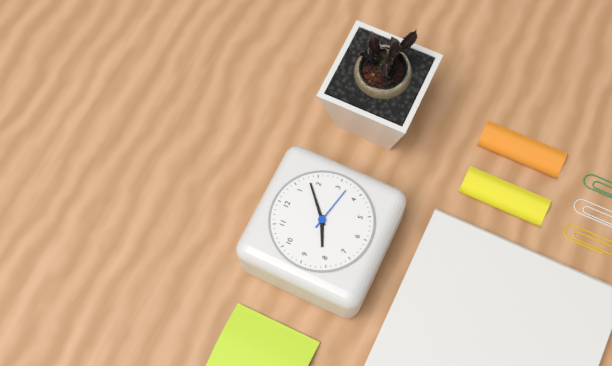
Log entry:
h=8 m=8
